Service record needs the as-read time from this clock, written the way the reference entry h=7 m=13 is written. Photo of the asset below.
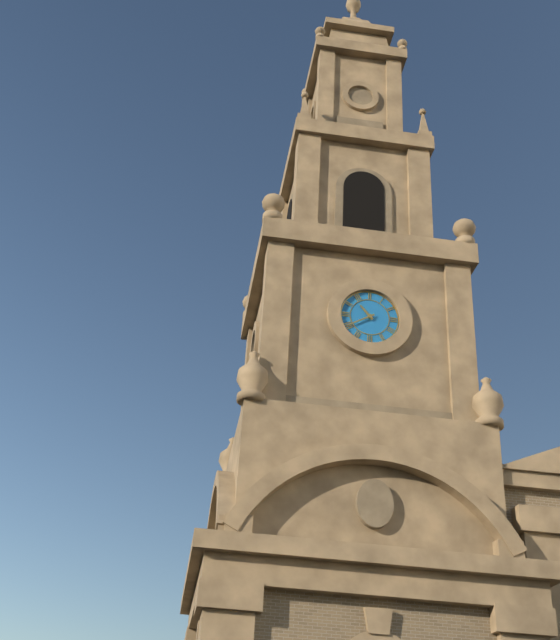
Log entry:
h=10 m=40
